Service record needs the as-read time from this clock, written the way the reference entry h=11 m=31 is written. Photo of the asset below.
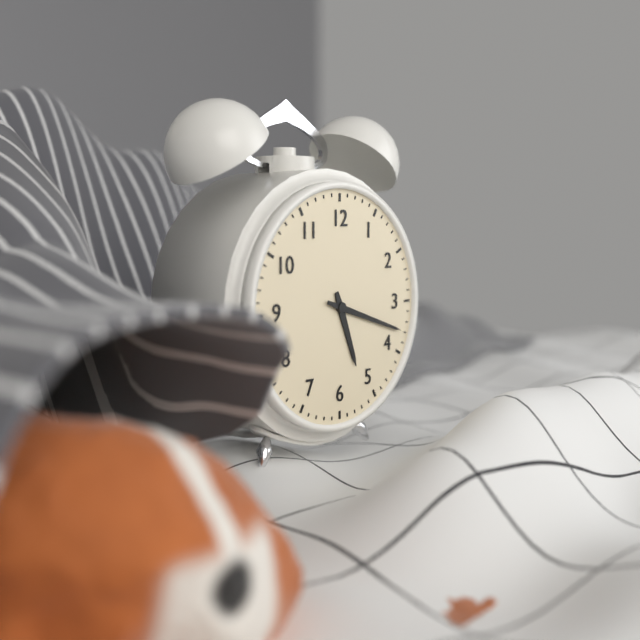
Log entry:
h=5 m=18
